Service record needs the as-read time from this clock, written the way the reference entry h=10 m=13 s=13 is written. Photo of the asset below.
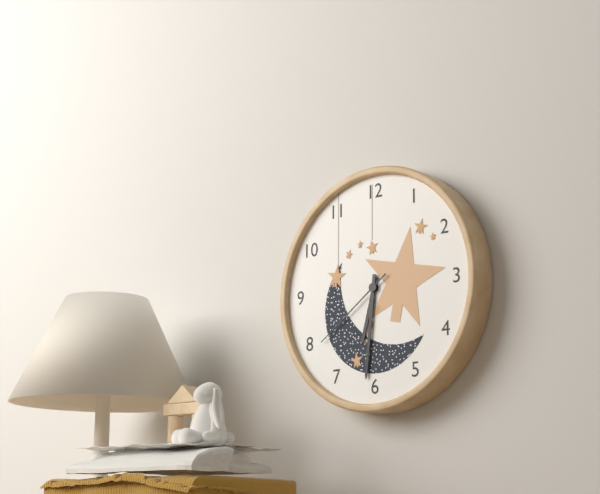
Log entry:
h=6 m=31 s=39
